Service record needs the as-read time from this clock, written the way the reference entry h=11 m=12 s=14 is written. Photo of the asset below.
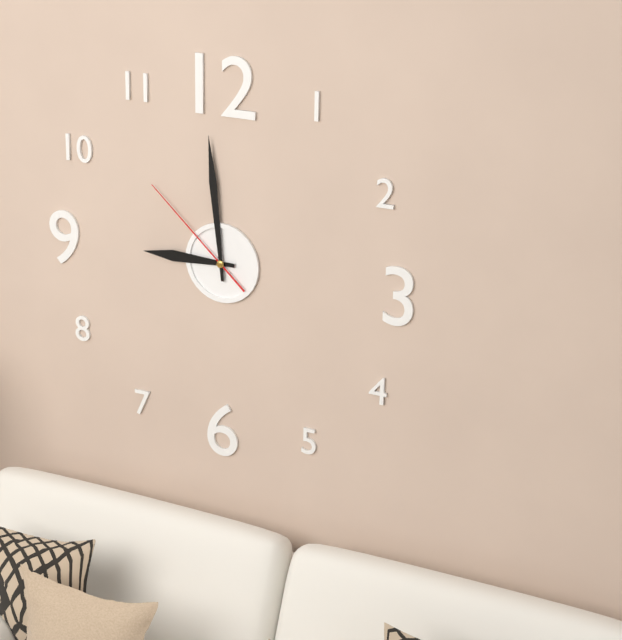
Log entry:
h=8 m=59 s=52
